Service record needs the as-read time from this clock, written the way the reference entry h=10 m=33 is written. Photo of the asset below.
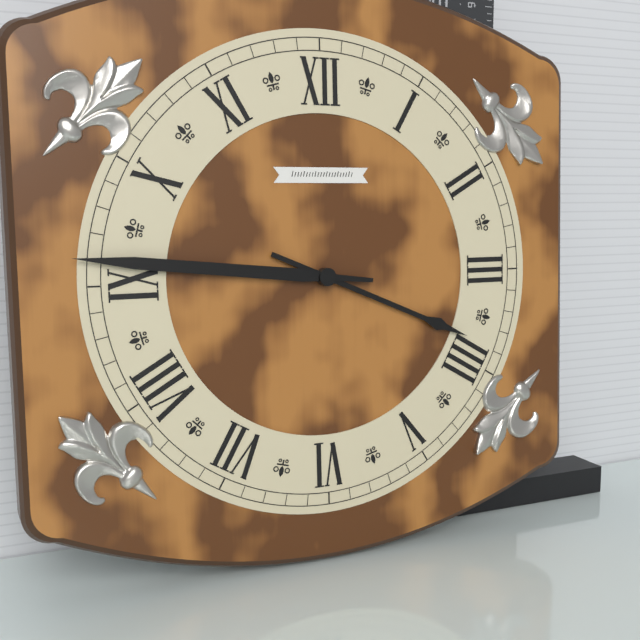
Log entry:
h=3 m=46
